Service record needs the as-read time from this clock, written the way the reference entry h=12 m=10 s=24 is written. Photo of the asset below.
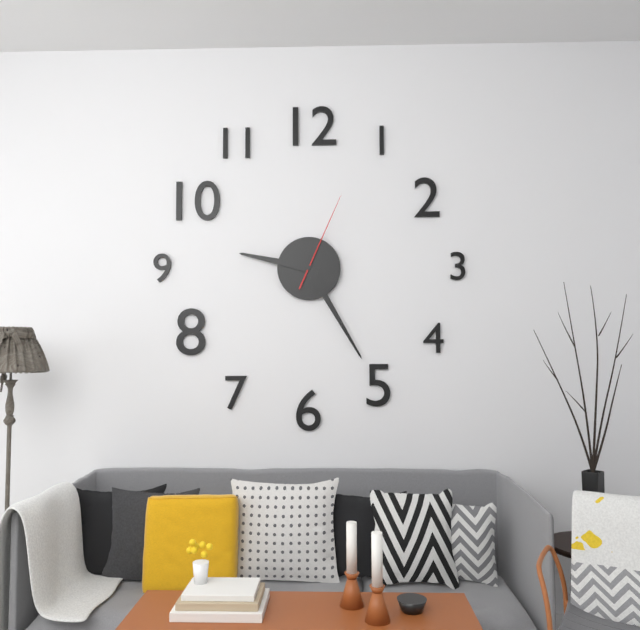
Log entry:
h=9 m=25 s=4
